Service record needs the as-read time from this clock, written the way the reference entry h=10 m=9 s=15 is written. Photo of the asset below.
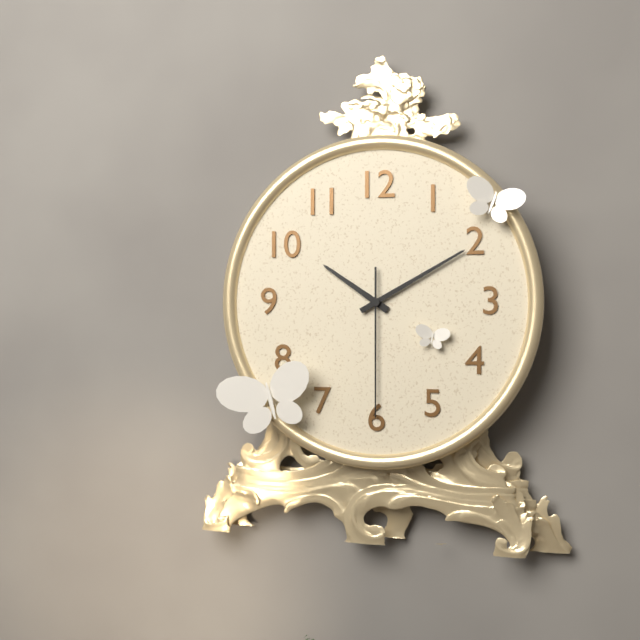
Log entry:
h=10 m=10 s=30
